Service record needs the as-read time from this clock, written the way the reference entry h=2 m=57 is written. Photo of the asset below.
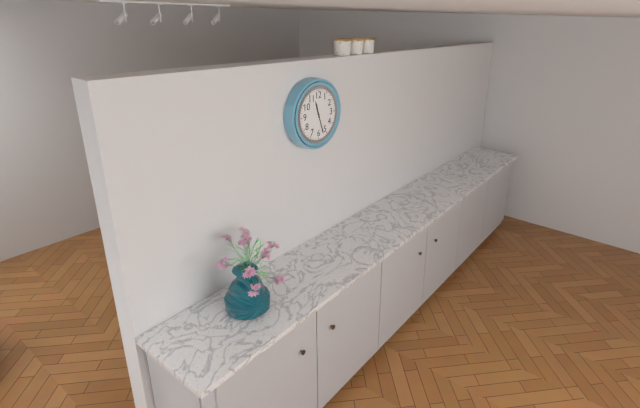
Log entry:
h=11 m=27
